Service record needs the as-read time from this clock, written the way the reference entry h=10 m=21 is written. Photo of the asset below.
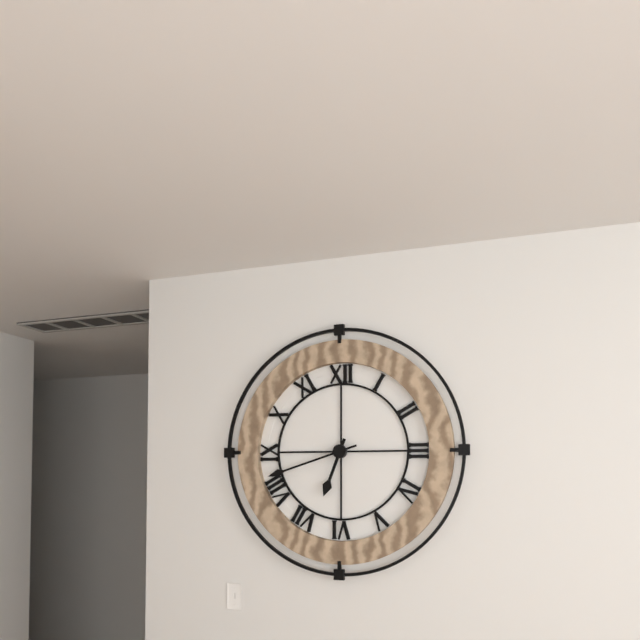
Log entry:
h=6 m=42
